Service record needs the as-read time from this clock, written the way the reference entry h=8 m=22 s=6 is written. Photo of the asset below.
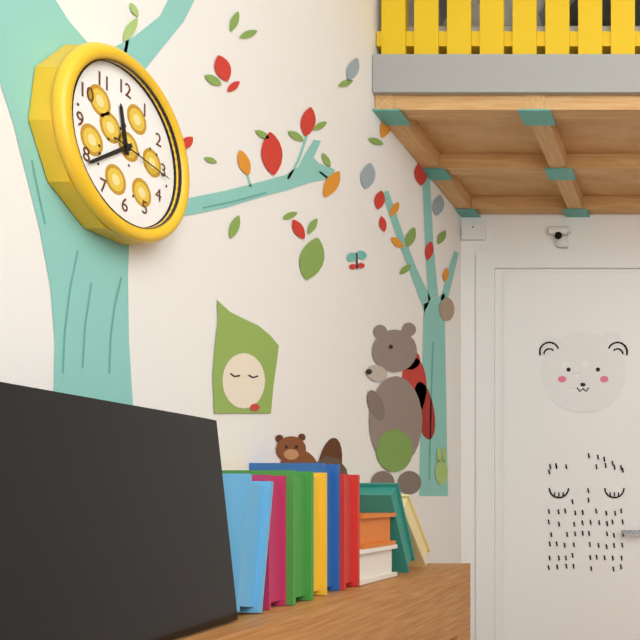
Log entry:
h=11 m=39 s=16
